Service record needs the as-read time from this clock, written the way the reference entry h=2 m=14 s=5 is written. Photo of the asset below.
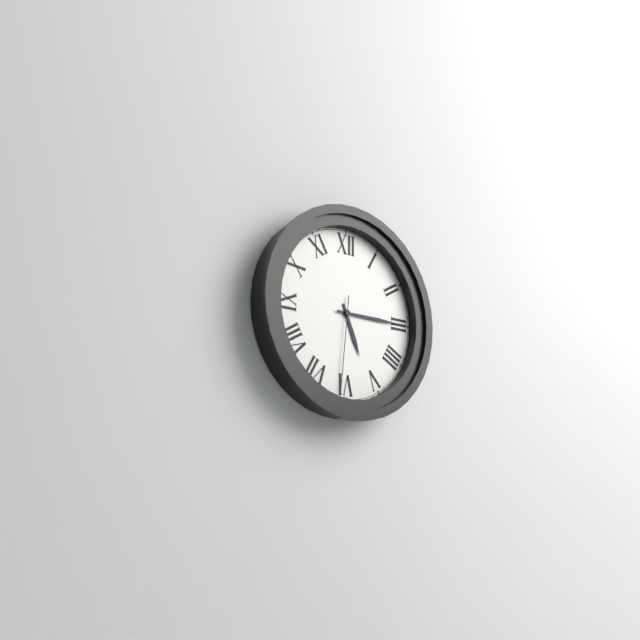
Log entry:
h=5 m=15 s=31
